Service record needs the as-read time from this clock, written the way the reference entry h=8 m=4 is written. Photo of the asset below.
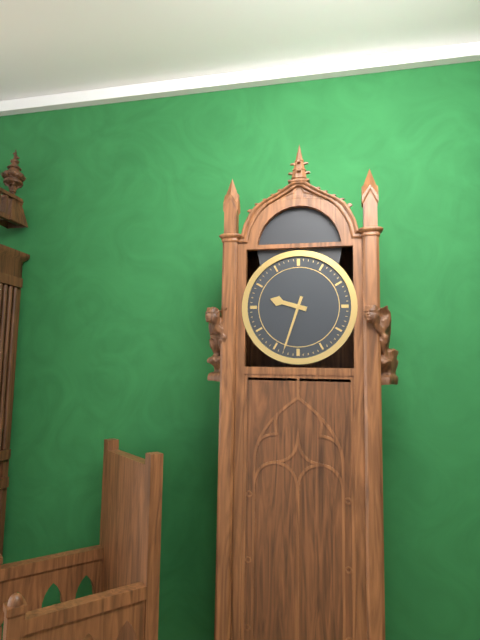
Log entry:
h=9 m=33
